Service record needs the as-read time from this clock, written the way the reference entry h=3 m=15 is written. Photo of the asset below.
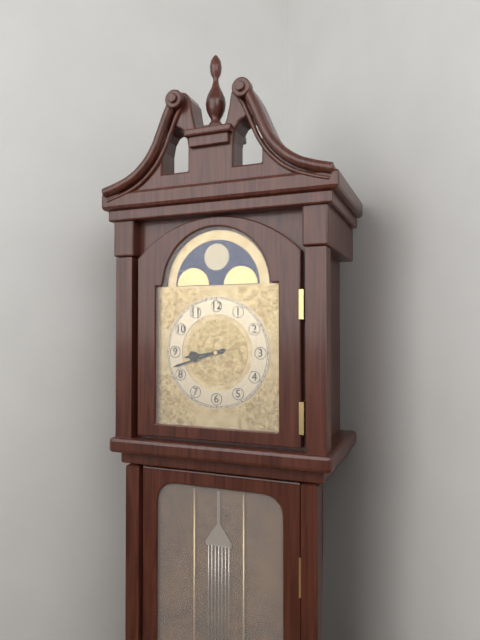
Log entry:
h=8 m=42
